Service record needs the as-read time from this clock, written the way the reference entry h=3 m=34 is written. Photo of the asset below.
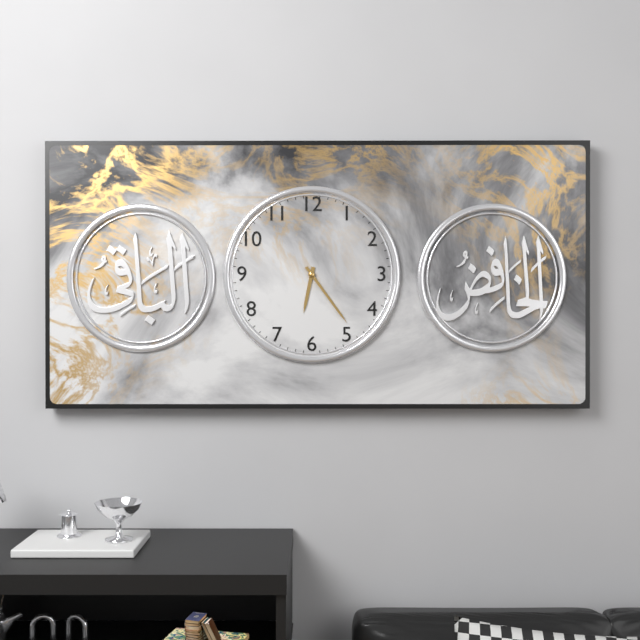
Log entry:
h=6 m=24
